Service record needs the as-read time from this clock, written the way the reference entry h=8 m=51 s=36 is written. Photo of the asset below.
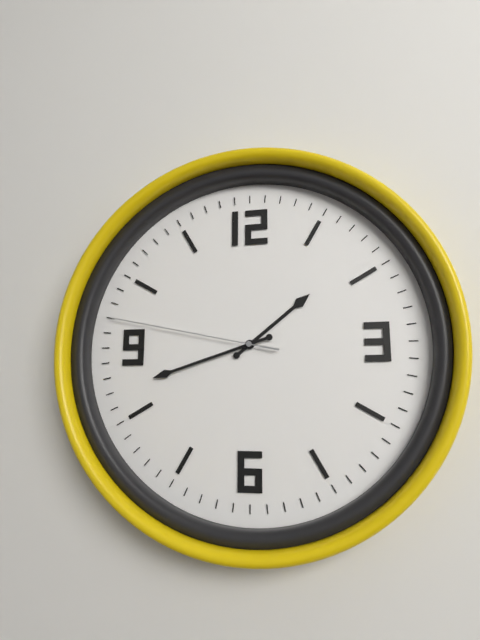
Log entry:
h=1 m=42 s=47
